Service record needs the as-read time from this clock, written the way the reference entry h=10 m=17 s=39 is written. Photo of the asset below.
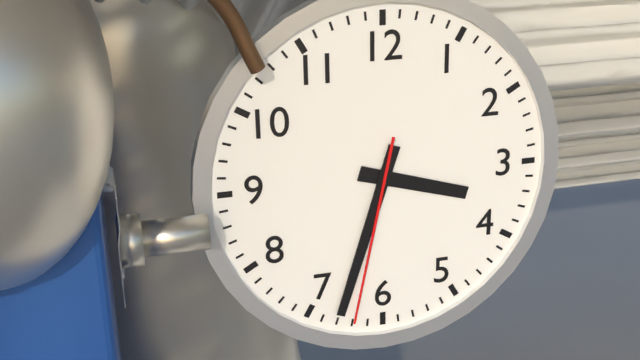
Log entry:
h=3 m=33 s=32
